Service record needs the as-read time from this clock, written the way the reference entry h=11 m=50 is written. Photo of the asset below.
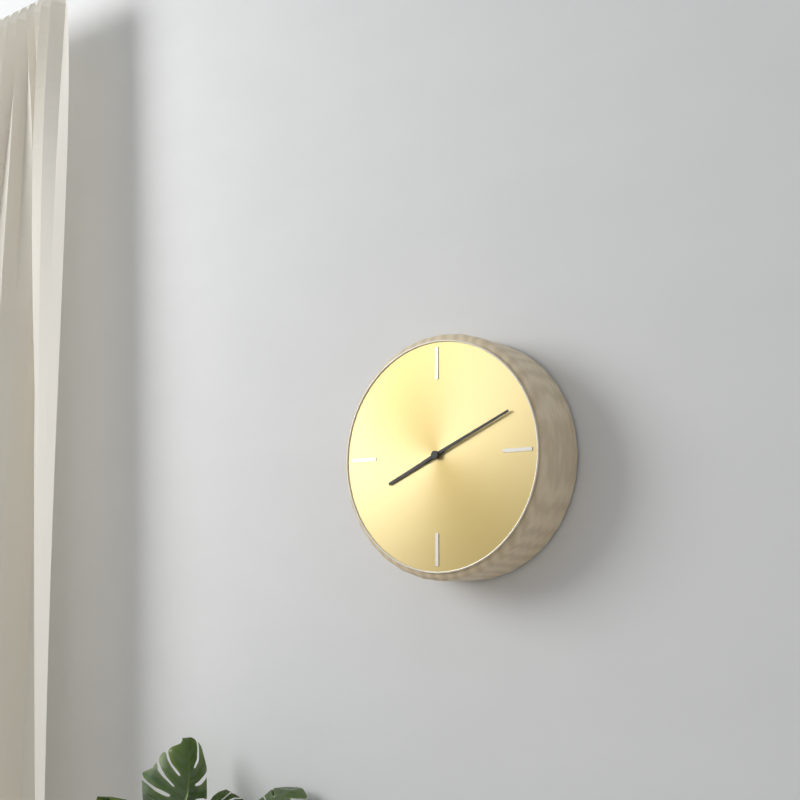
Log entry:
h=8 m=11
